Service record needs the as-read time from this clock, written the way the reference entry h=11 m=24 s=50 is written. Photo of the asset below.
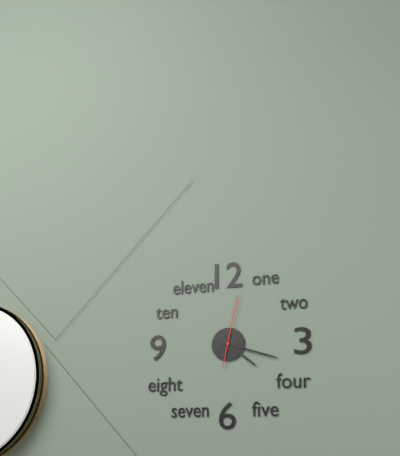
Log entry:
h=4 m=18 s=2
